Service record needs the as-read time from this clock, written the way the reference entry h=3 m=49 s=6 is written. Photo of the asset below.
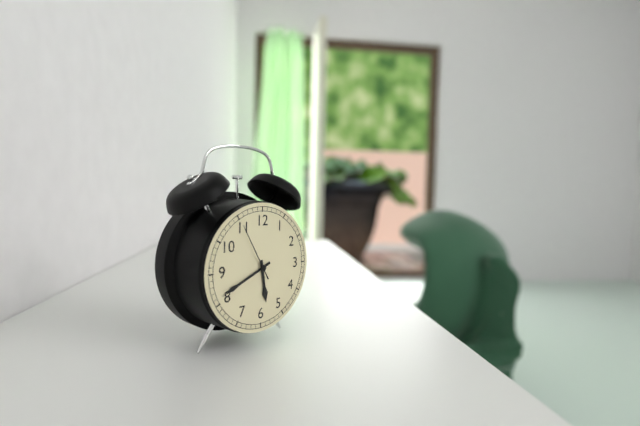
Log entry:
h=5 m=41 s=55
